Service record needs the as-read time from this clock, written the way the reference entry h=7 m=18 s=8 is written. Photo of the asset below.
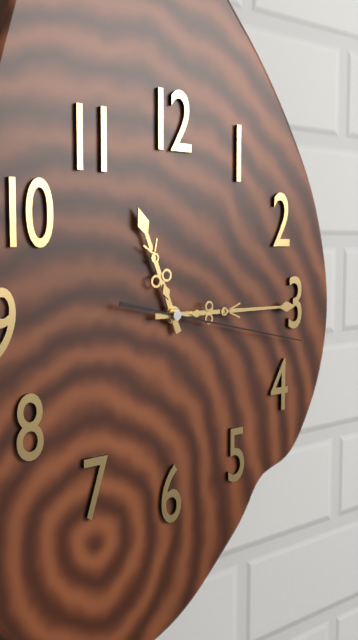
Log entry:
h=11 m=15 s=17
